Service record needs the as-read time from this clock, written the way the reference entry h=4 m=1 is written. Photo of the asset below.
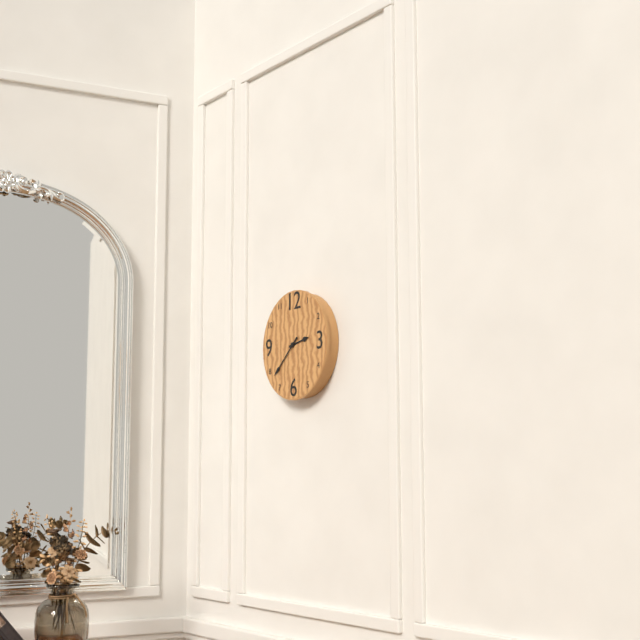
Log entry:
h=2 m=38
